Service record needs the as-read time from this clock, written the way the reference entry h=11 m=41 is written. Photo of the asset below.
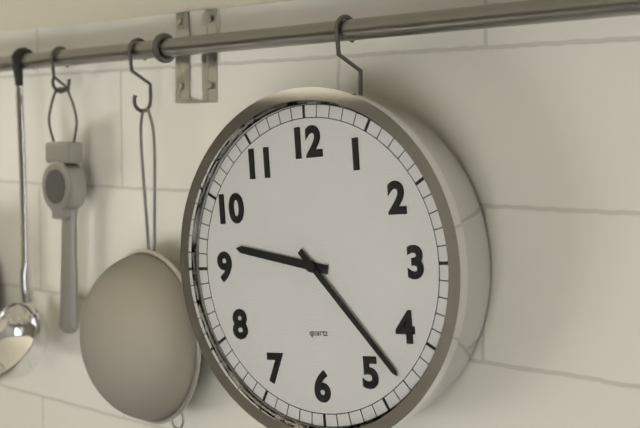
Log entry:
h=9 m=23
